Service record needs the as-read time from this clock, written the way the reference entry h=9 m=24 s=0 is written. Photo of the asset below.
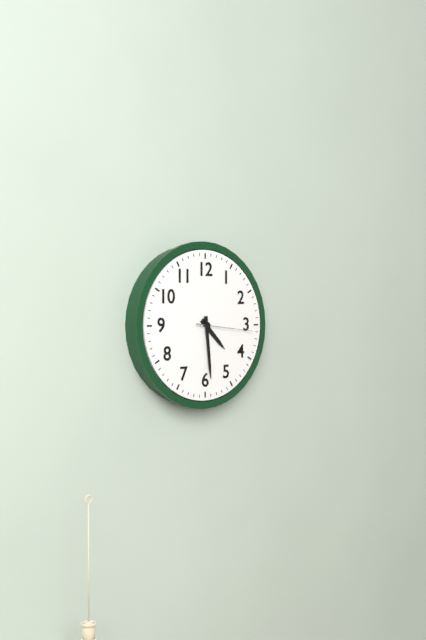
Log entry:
h=4 m=29 s=16
